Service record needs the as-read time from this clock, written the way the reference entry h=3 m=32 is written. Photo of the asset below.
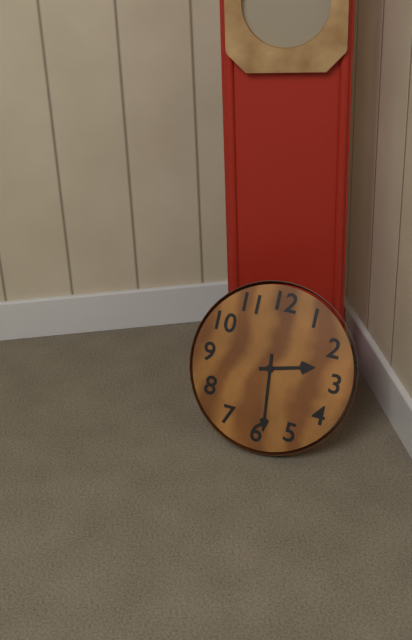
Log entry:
h=2 m=29
